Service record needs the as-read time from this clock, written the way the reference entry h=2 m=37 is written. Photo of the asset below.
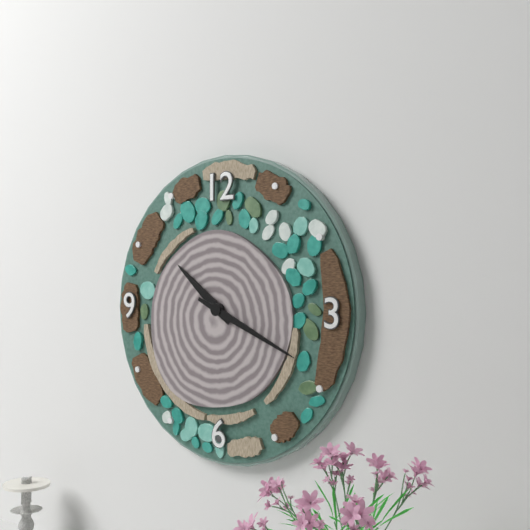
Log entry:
h=10 m=19
